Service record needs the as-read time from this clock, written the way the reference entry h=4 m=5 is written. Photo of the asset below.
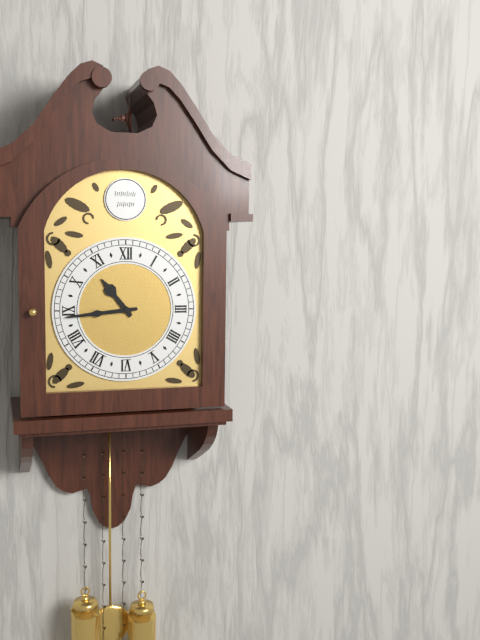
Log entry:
h=10 m=44
